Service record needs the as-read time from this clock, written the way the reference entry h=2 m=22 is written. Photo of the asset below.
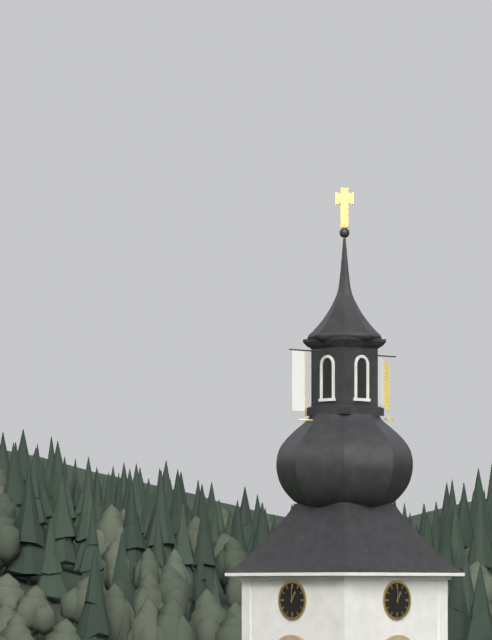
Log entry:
h=1 m=0
